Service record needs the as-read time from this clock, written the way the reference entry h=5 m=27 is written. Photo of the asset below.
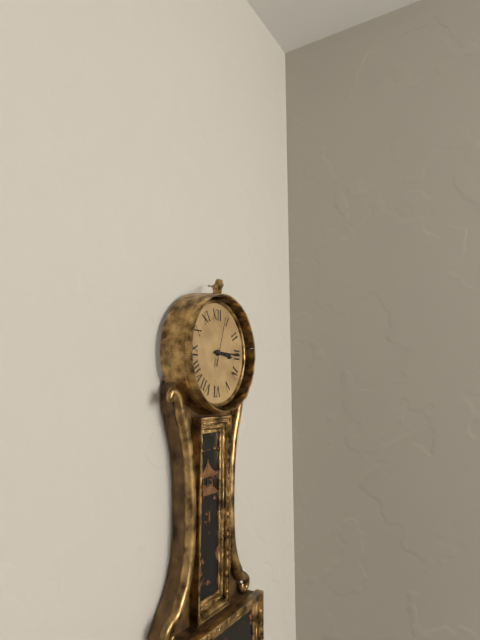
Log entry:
h=3 m=15
